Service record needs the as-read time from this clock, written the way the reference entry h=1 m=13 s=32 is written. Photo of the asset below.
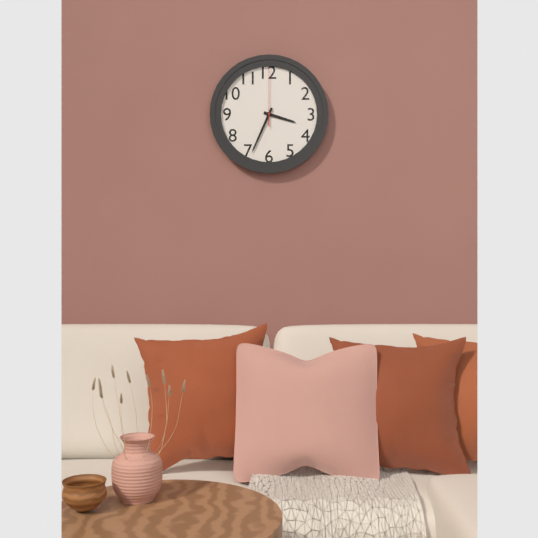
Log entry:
h=3 m=34 s=0
